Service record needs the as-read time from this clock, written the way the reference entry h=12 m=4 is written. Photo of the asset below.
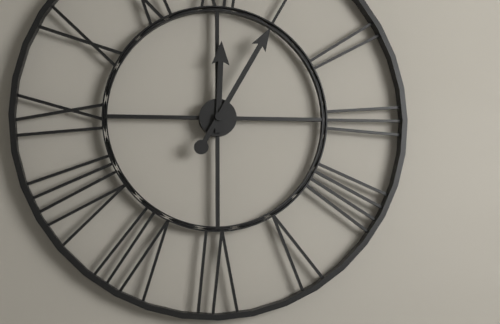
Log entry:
h=12 m=5
